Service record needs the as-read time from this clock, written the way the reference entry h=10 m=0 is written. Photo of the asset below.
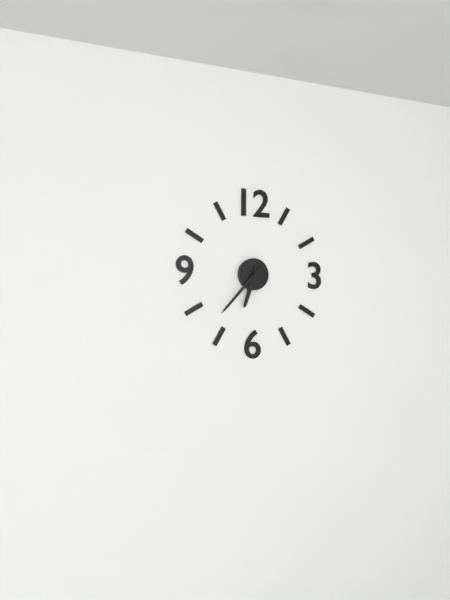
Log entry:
h=6 m=37
